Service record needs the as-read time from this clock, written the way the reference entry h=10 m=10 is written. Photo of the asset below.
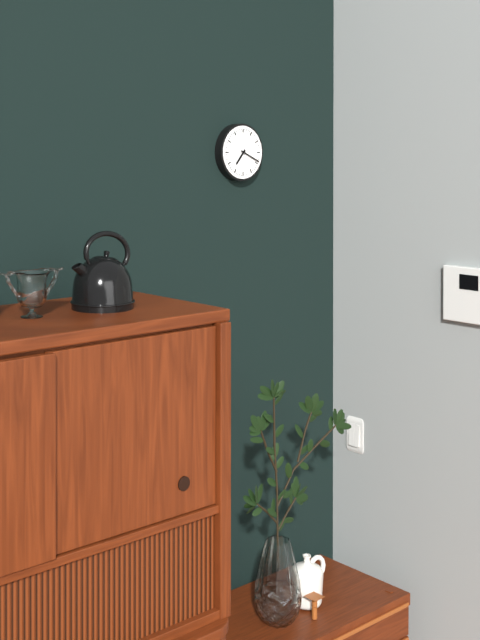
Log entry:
h=7 m=19
